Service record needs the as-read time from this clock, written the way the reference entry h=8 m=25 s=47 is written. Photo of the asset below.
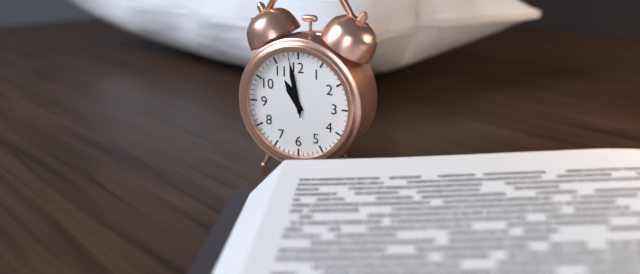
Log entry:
h=10 m=58 s=58
